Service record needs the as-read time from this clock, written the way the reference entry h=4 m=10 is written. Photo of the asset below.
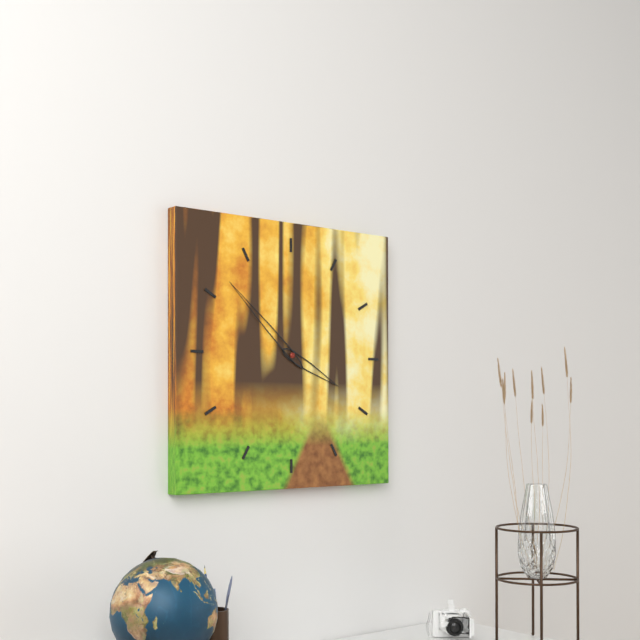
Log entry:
h=3 m=52
